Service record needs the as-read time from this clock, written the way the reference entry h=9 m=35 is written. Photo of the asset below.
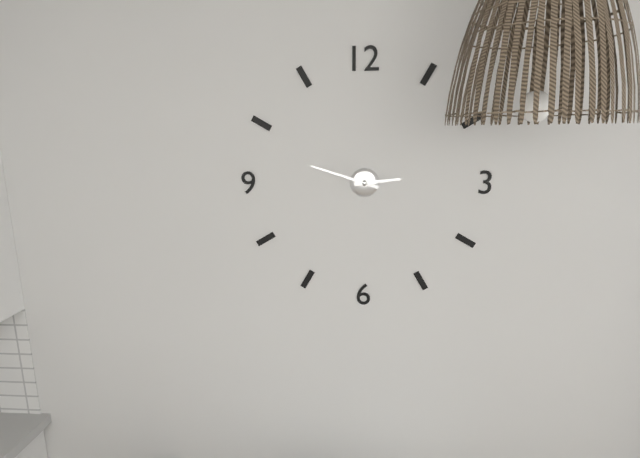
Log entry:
h=2 m=48
